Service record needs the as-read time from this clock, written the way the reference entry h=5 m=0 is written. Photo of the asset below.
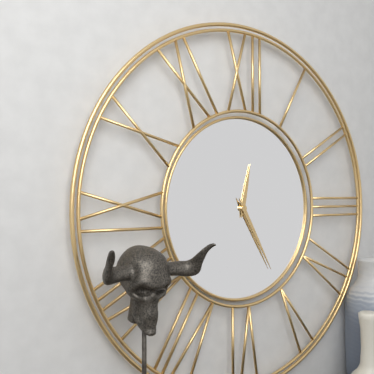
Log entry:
h=12 m=25
